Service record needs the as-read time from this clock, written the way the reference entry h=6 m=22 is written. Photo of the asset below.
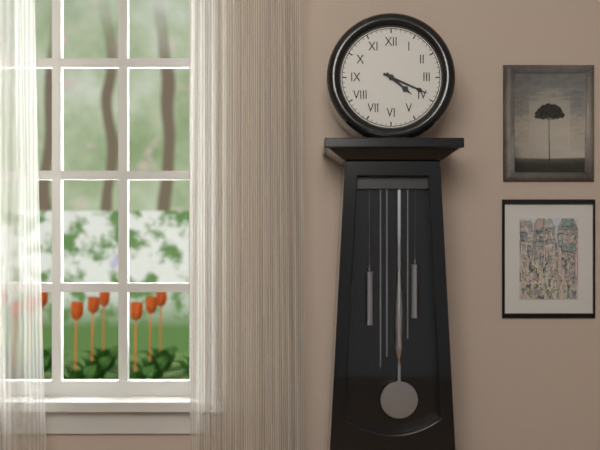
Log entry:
h=4 m=19
